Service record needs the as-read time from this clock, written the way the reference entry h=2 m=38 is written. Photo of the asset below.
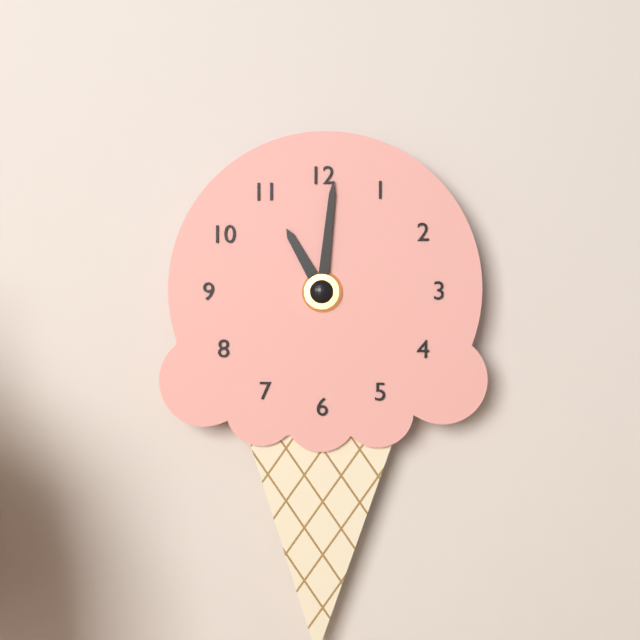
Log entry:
h=11 m=1
